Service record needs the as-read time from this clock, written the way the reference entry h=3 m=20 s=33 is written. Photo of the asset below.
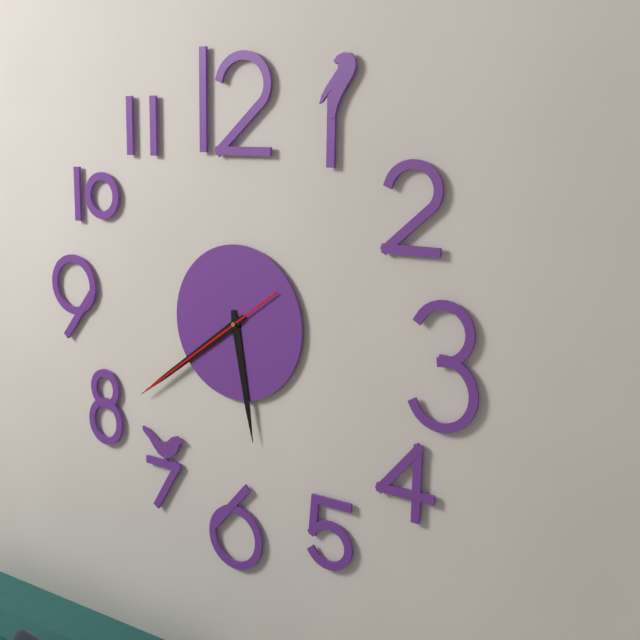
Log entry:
h=5 m=39 s=39
